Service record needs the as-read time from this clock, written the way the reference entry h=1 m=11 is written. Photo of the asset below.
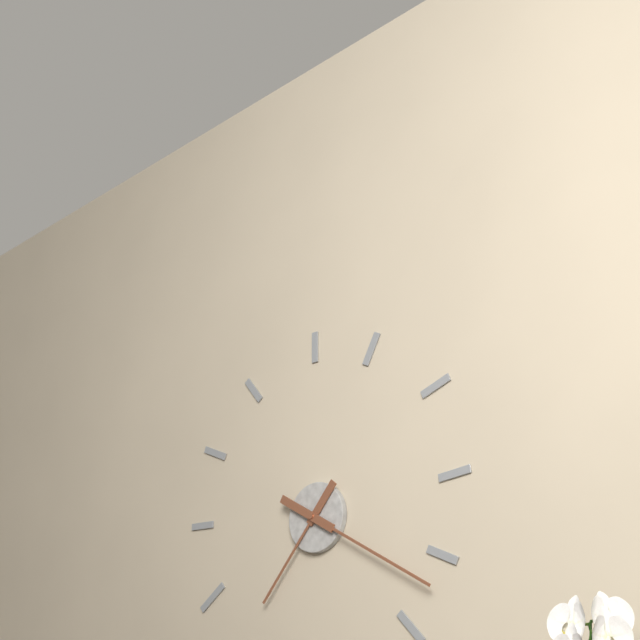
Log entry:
h=7 m=20
